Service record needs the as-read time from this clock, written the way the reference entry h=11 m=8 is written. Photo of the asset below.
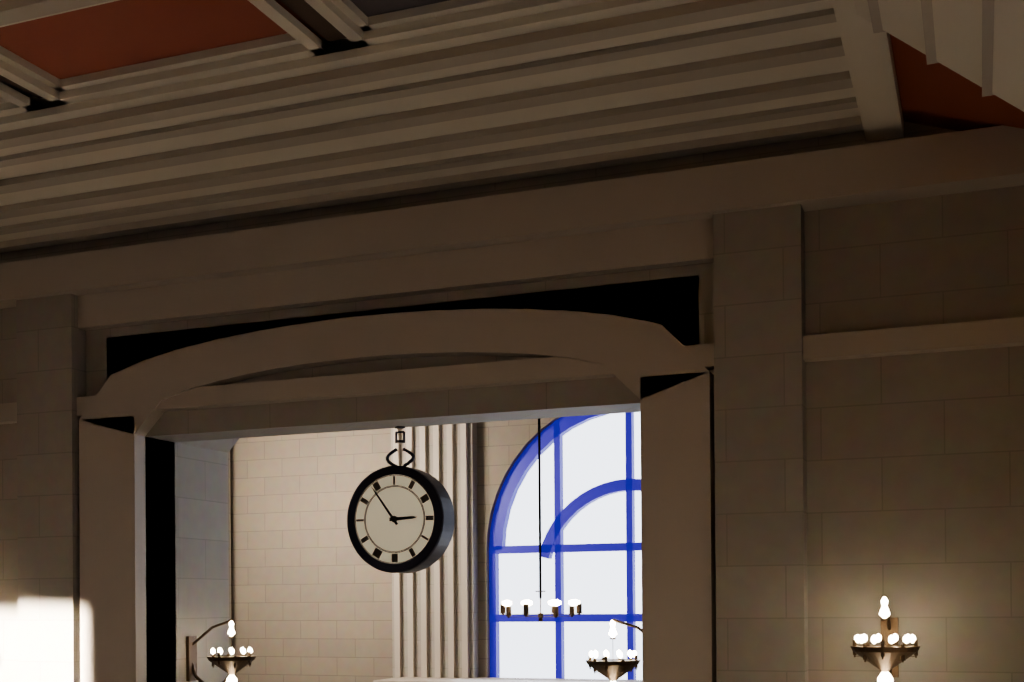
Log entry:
h=2 m=54
